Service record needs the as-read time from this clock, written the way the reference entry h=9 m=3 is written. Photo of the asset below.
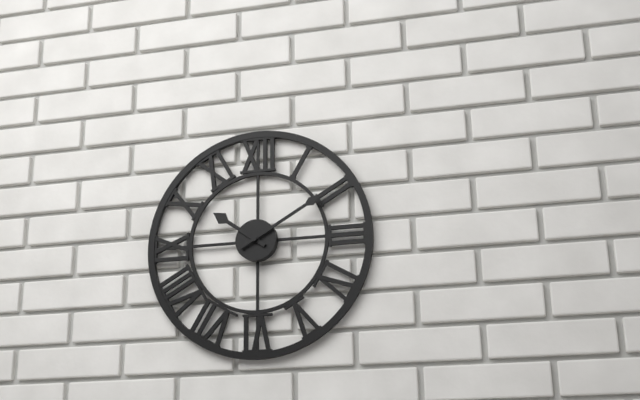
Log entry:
h=10 m=10
